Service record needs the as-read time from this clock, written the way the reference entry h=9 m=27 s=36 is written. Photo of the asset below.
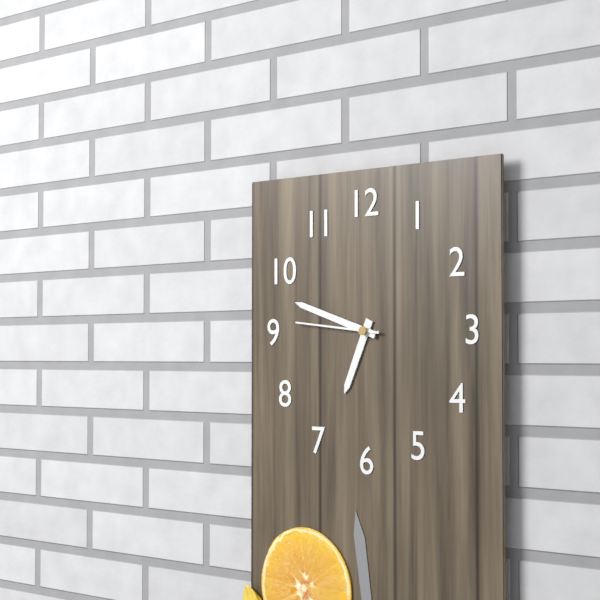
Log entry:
h=6 m=48 s=46
